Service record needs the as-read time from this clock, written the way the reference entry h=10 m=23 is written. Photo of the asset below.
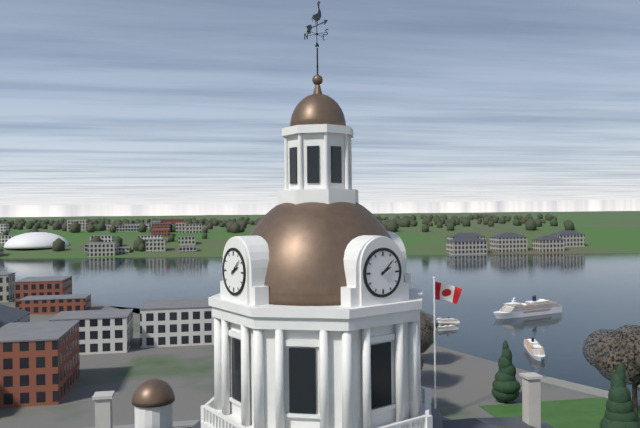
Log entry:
h=2 m=8
